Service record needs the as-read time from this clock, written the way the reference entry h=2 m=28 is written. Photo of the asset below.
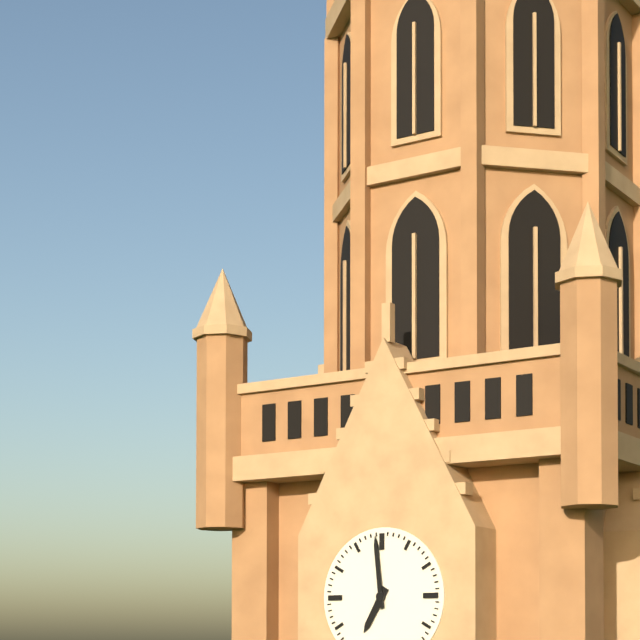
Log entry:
h=6 m=59
